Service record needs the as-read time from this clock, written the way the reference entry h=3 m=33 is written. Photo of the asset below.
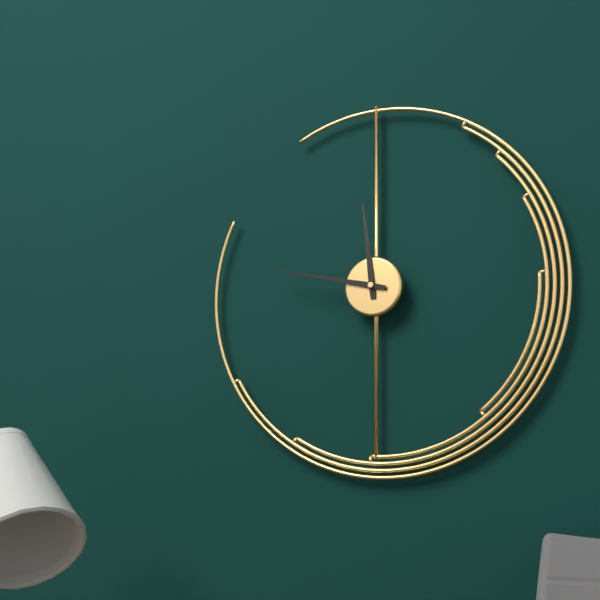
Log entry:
h=11 m=47
